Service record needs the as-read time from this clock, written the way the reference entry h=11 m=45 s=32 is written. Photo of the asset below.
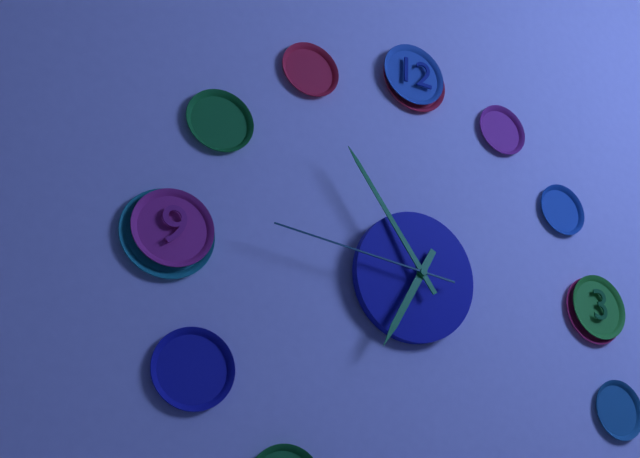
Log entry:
h=6 m=54 s=46
